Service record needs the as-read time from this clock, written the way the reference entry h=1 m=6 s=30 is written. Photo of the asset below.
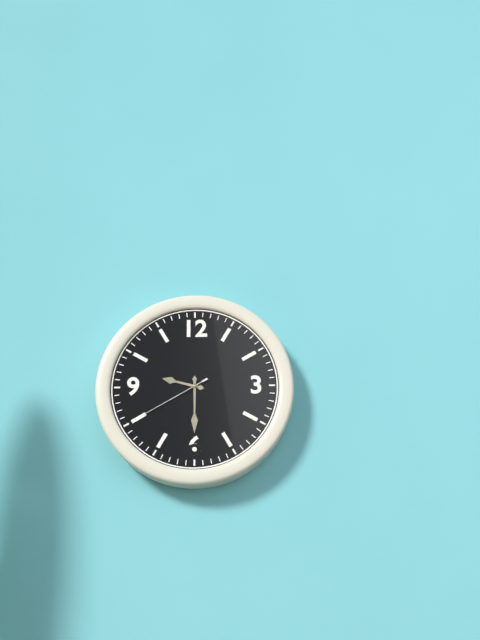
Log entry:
h=9 m=30 s=40
